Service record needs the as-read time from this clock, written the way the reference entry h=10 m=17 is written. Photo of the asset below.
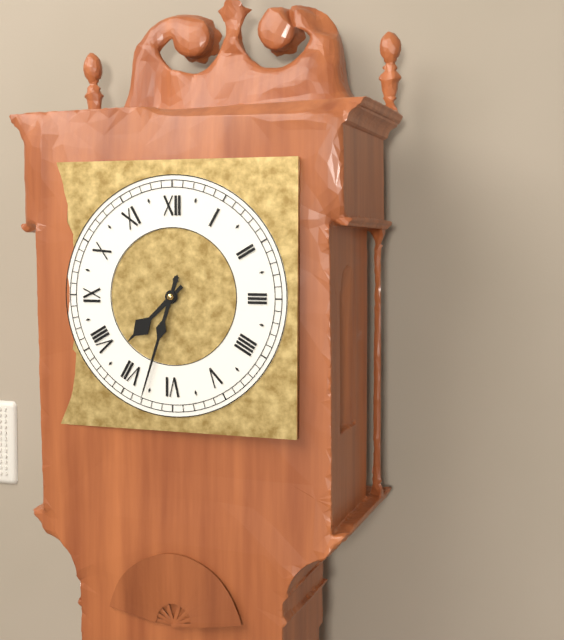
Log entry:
h=7 m=33
